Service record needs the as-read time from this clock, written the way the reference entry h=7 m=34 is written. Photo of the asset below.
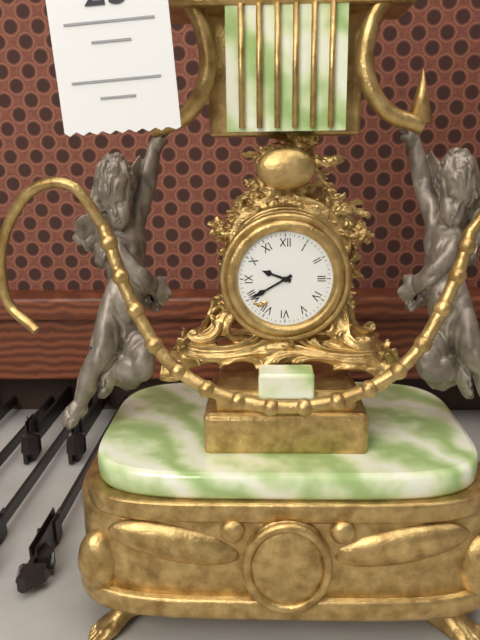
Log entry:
h=9 m=40
